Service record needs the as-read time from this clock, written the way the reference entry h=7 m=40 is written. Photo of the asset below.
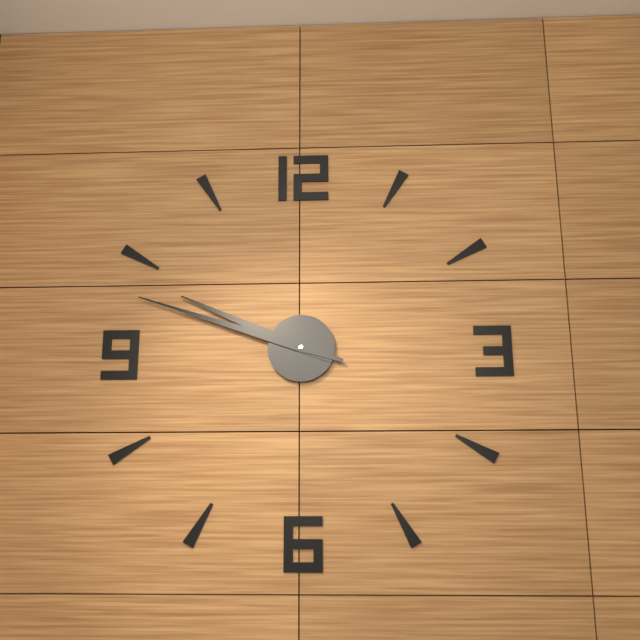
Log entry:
h=9 m=48
